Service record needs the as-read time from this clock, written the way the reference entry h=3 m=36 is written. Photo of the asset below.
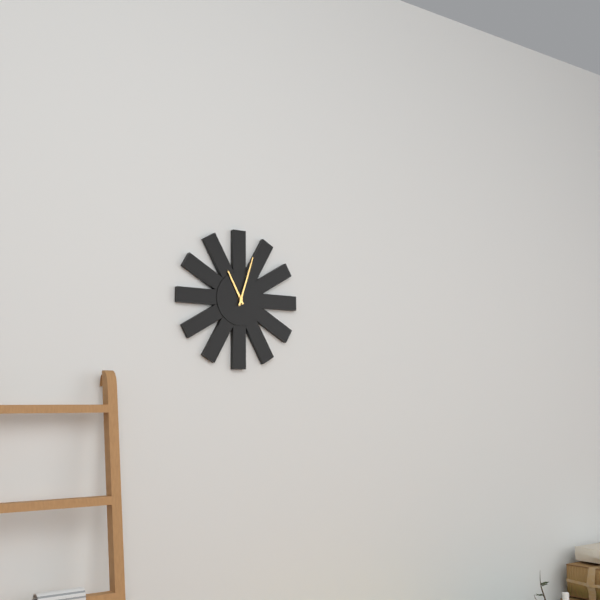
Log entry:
h=11 m=3
